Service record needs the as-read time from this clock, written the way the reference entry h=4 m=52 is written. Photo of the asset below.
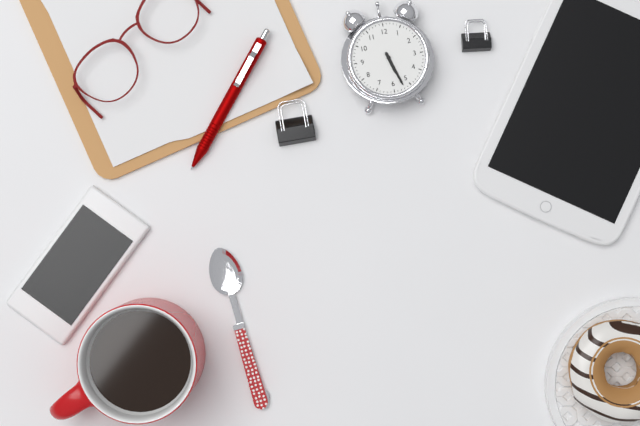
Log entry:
h=5 m=27
